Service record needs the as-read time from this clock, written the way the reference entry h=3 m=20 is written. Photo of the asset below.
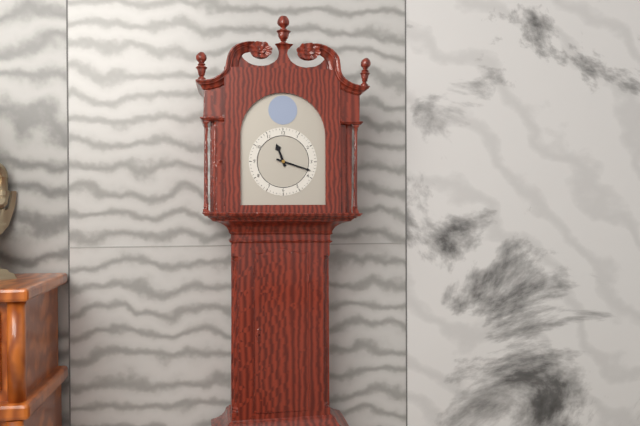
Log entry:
h=11 m=18
